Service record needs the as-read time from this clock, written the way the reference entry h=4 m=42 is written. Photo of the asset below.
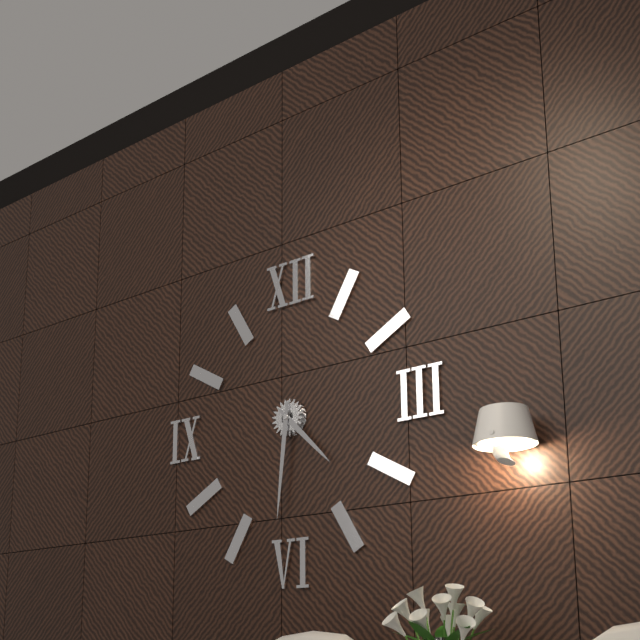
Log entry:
h=4 m=31
